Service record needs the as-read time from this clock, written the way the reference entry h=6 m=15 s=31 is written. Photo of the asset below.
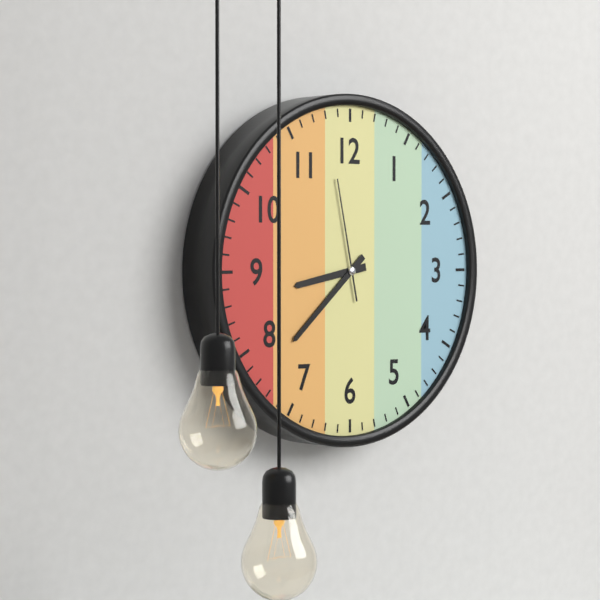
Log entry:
h=8 m=38 s=58
